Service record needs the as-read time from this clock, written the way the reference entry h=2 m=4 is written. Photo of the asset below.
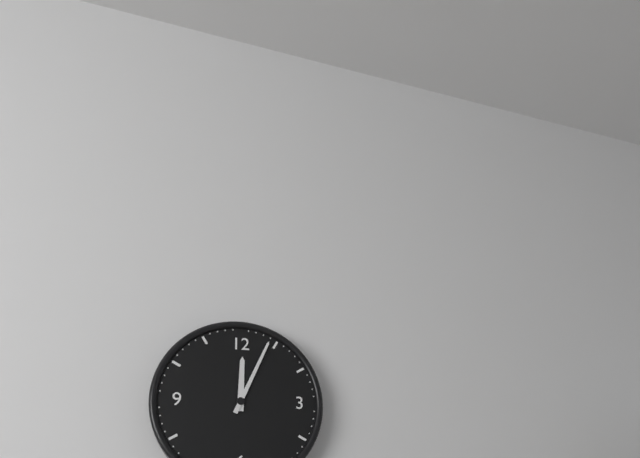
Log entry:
h=12 m=4
